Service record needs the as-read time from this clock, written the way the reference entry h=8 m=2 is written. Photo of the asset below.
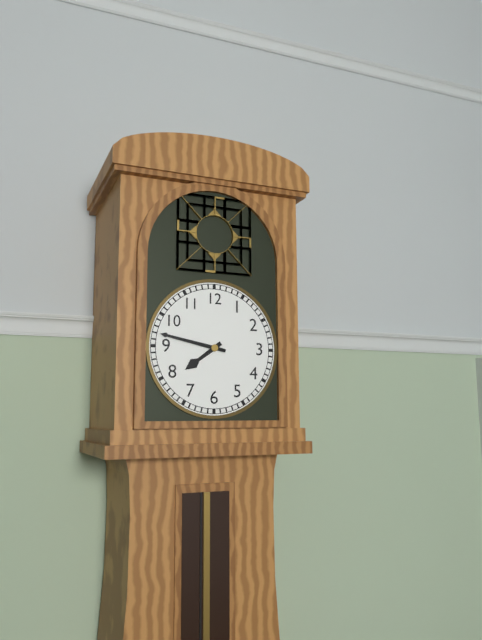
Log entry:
h=7 m=47
